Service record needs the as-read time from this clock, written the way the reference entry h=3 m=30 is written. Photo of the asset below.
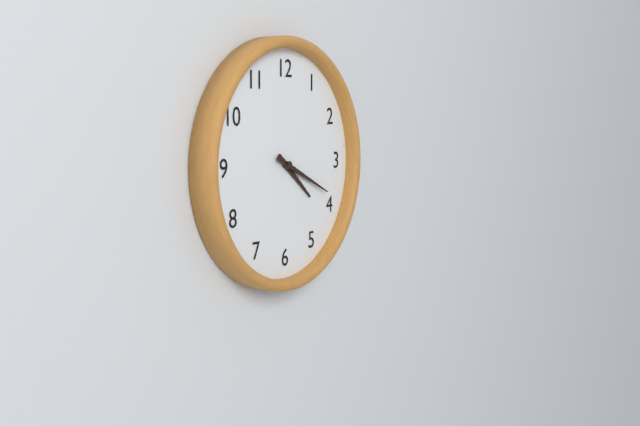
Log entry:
h=4 m=19
